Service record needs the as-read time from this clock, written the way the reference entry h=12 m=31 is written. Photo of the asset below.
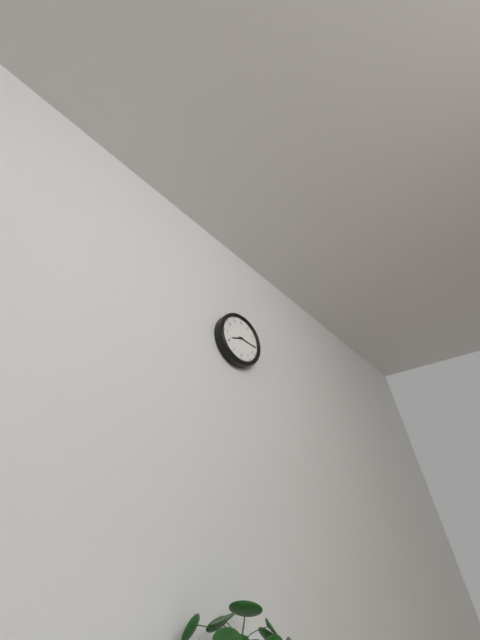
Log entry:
h=8 m=16
